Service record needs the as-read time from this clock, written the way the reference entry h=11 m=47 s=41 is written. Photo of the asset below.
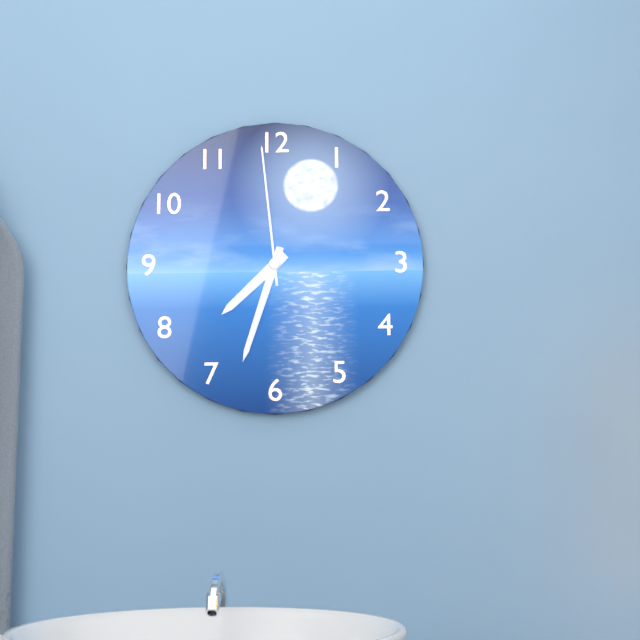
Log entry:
h=7 m=33 s=59
